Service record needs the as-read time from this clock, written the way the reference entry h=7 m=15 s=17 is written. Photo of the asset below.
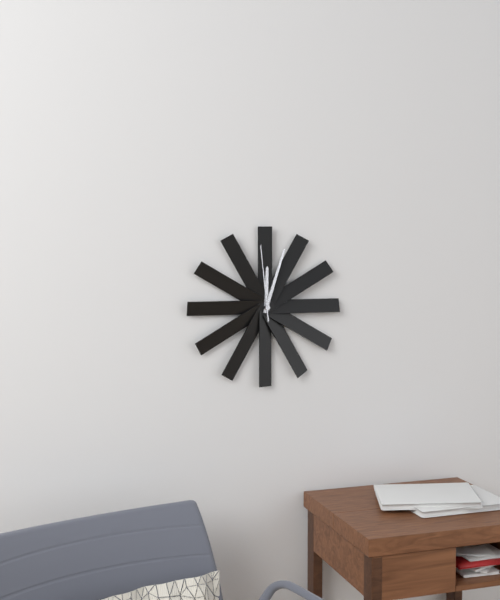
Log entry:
h=12 m=3 s=59
